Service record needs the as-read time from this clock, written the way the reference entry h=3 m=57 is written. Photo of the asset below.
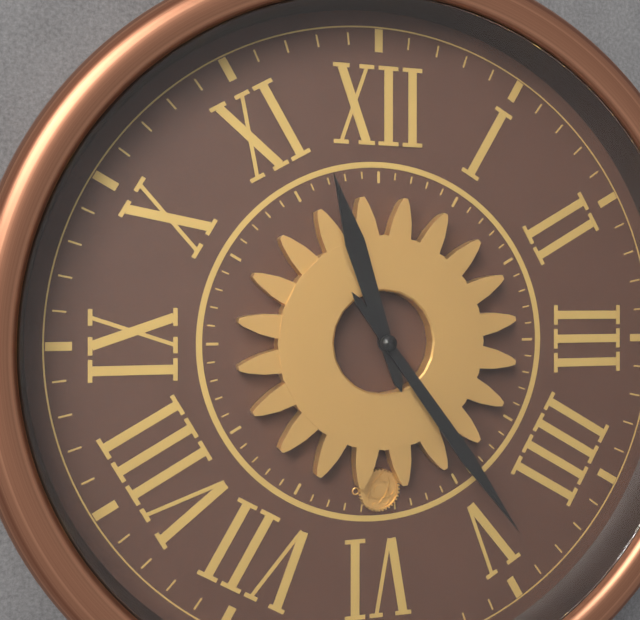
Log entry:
h=11 m=24
